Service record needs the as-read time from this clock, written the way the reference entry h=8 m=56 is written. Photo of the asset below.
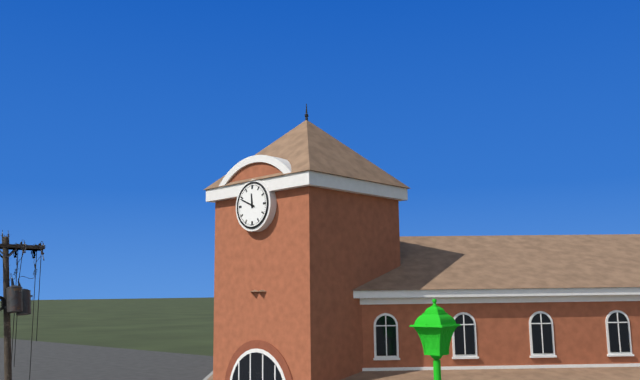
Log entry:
h=11 m=49
